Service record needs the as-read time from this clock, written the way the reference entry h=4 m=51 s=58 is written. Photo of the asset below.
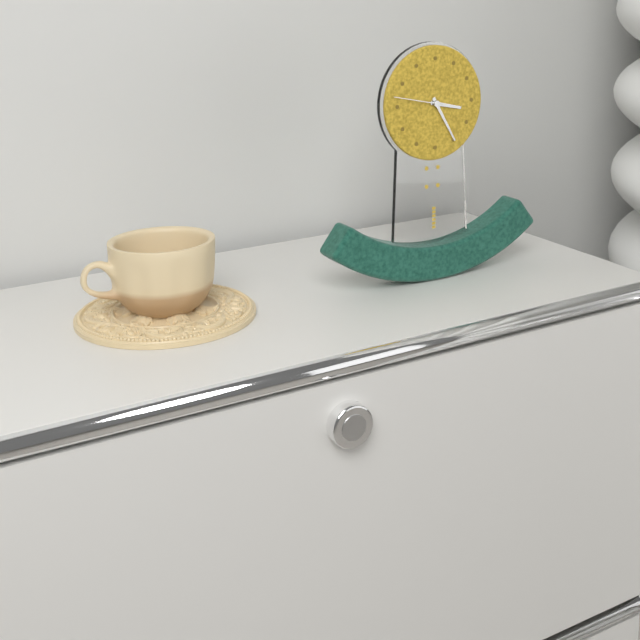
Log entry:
h=3 m=25 s=47
